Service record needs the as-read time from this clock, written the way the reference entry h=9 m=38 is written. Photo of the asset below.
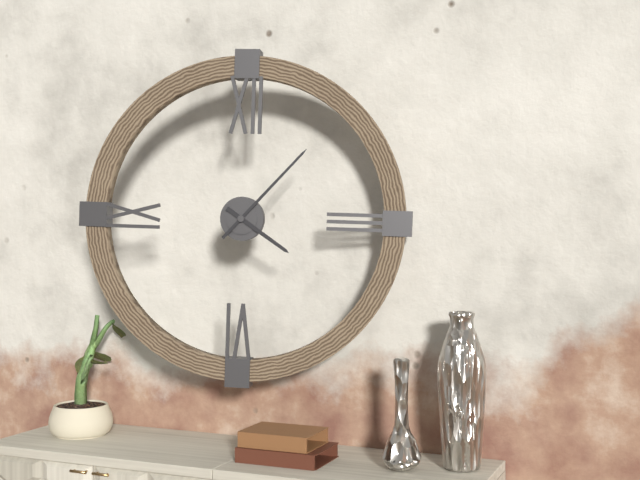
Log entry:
h=4 m=7
